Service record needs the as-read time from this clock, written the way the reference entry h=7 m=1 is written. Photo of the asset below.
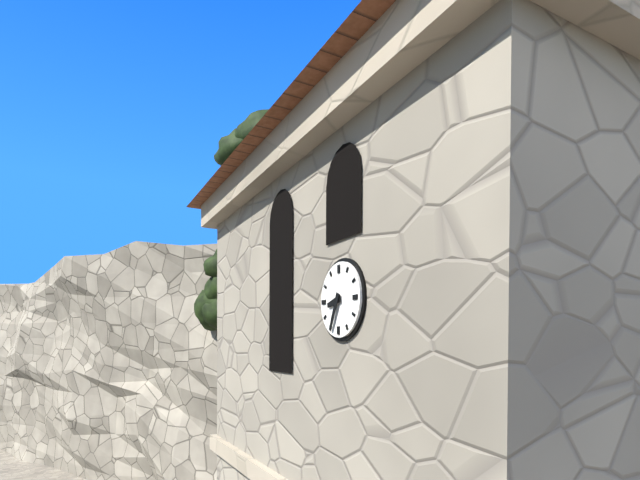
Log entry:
h=8 m=34
